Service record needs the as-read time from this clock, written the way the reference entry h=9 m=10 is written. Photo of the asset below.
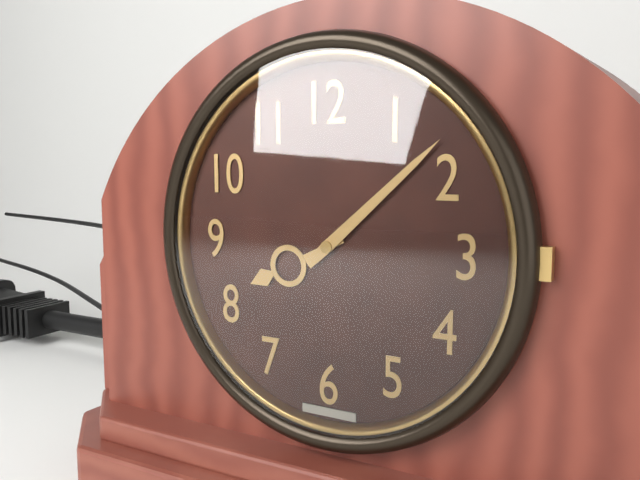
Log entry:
h=8 m=8
